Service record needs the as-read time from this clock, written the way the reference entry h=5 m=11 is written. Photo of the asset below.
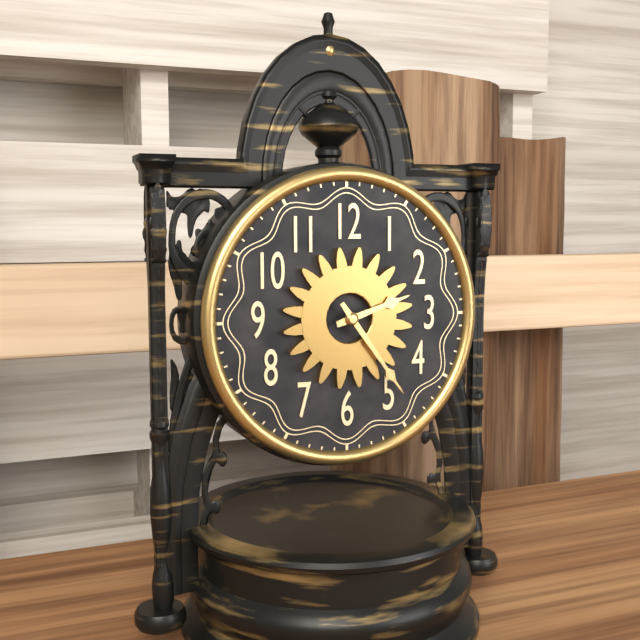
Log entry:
h=2 m=24
